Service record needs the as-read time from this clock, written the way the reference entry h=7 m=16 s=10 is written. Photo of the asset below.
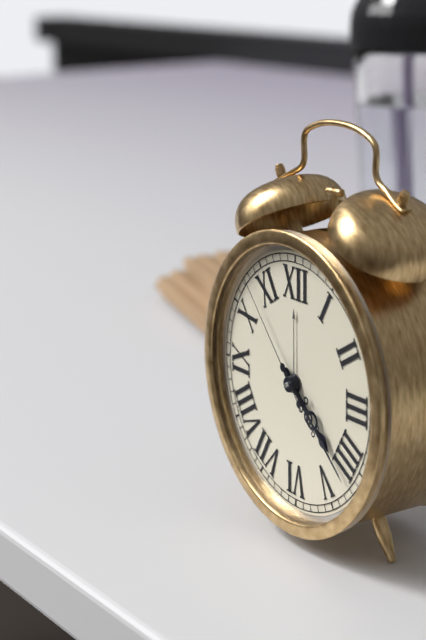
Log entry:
h=4 m=22 s=53
